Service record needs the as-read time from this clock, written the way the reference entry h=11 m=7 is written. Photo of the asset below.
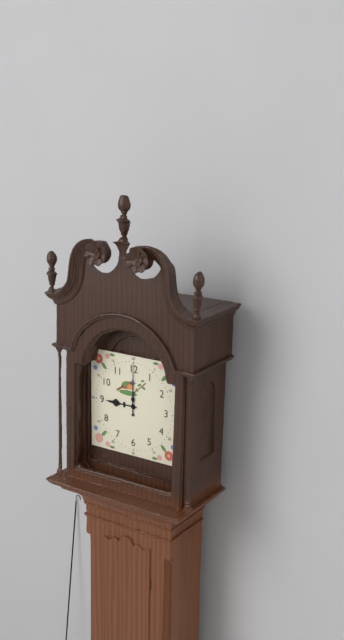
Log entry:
h=9 m=0
